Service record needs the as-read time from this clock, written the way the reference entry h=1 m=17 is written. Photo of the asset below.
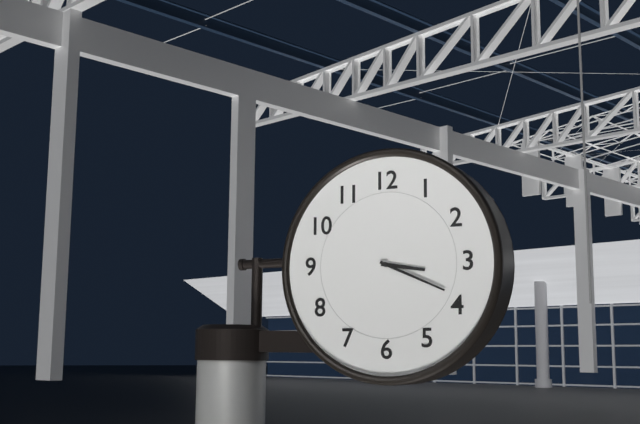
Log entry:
h=3 m=19
